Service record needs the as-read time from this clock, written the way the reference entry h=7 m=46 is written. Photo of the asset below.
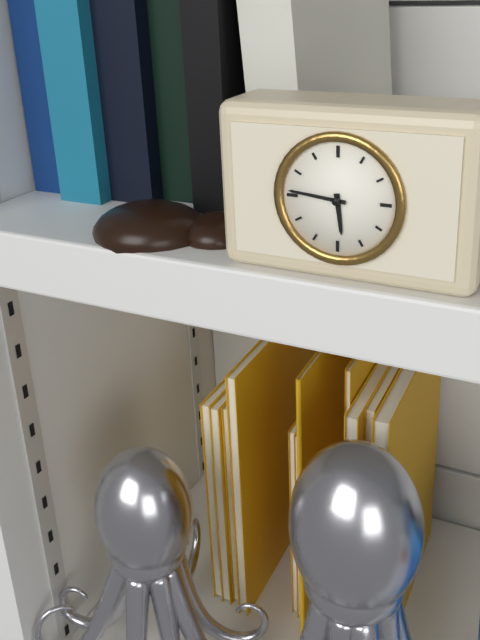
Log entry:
h=5 m=46
